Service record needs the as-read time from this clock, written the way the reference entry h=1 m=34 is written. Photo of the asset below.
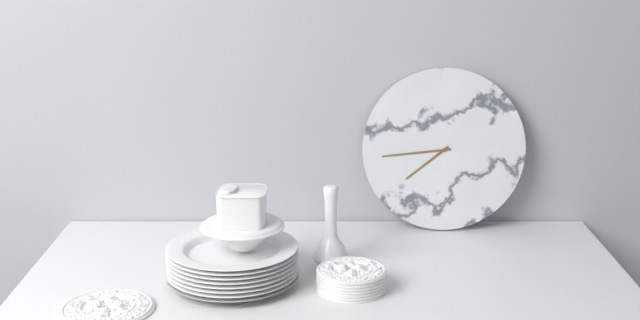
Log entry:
h=7 m=44
